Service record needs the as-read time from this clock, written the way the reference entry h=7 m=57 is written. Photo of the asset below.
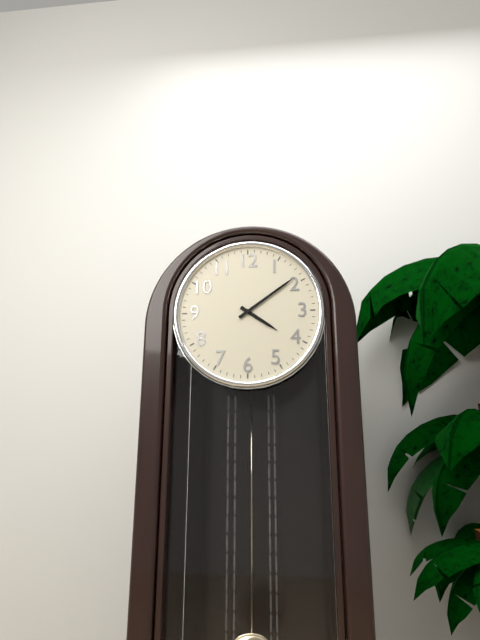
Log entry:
h=4 m=9
